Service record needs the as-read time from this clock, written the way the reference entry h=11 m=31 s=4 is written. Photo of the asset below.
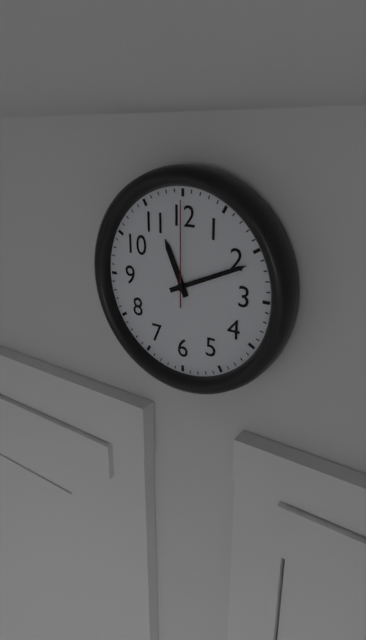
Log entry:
h=11 m=11 s=0
